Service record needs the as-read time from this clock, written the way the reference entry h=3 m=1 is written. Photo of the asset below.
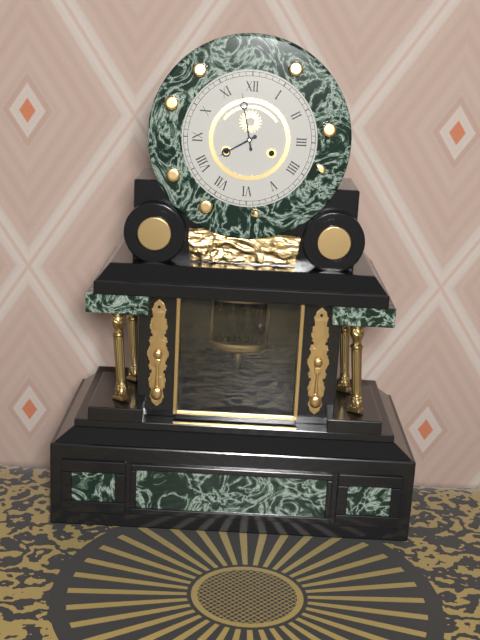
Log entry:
h=7 m=58
